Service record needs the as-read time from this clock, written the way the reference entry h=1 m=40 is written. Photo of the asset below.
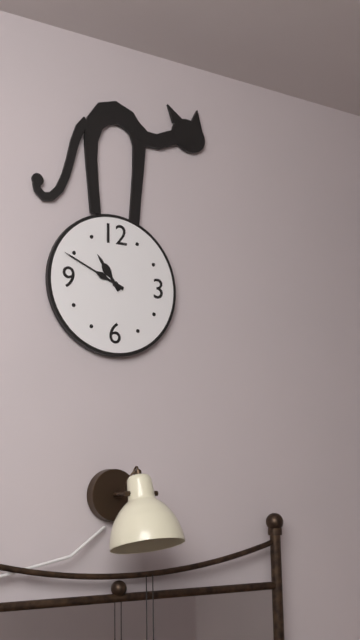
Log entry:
h=10 m=49
